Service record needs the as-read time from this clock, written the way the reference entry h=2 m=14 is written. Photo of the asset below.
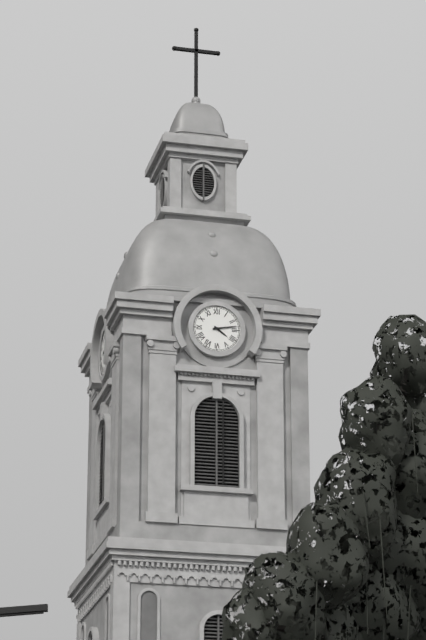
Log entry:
h=4 m=13
